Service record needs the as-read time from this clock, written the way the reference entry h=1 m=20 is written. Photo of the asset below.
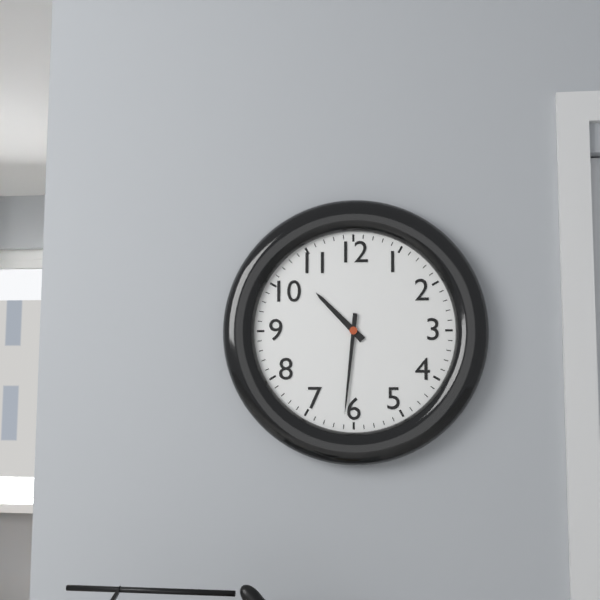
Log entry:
h=10 m=31
